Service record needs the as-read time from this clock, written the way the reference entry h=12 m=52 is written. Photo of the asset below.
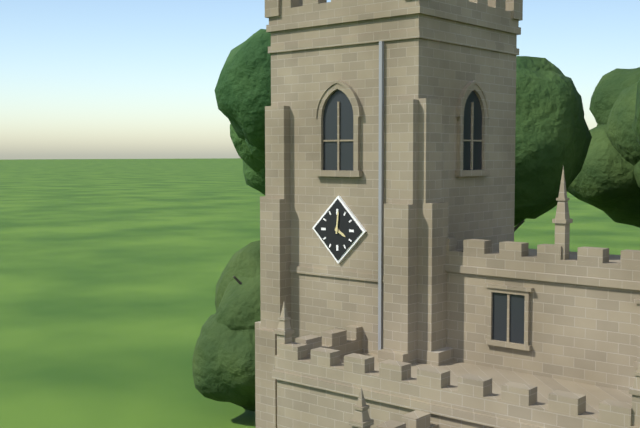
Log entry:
h=4 m=1
